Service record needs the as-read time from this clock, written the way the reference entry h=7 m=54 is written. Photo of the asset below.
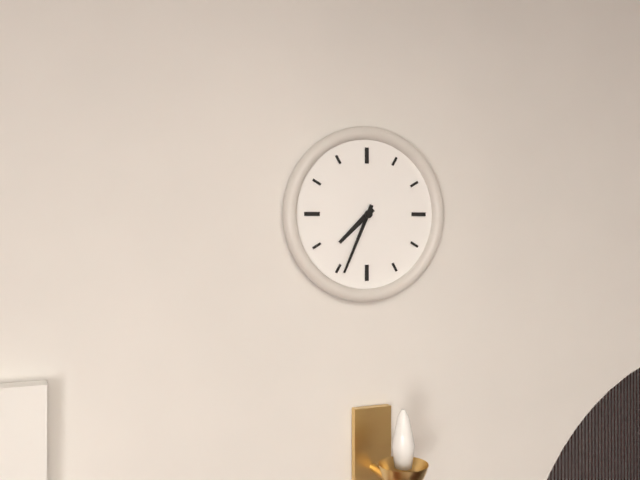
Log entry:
h=7 m=34
